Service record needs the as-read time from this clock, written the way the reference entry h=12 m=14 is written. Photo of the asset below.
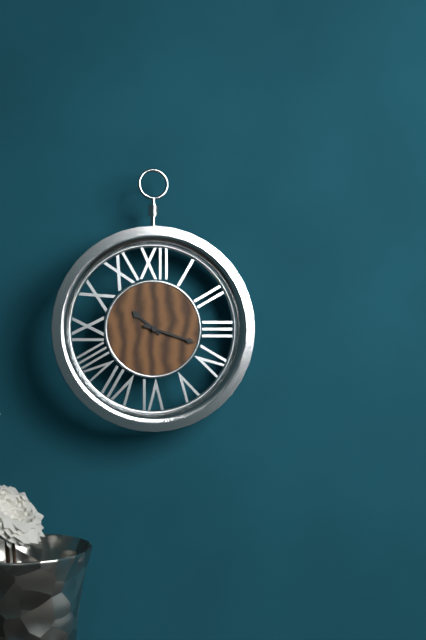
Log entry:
h=10 m=18
